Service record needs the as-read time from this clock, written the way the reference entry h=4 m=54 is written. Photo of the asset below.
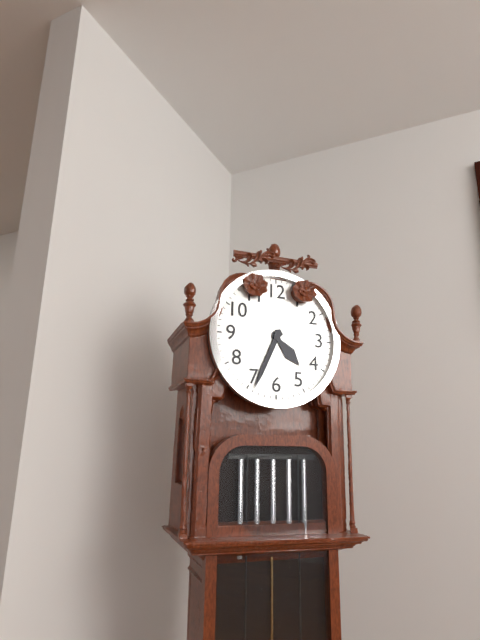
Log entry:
h=4 m=34
